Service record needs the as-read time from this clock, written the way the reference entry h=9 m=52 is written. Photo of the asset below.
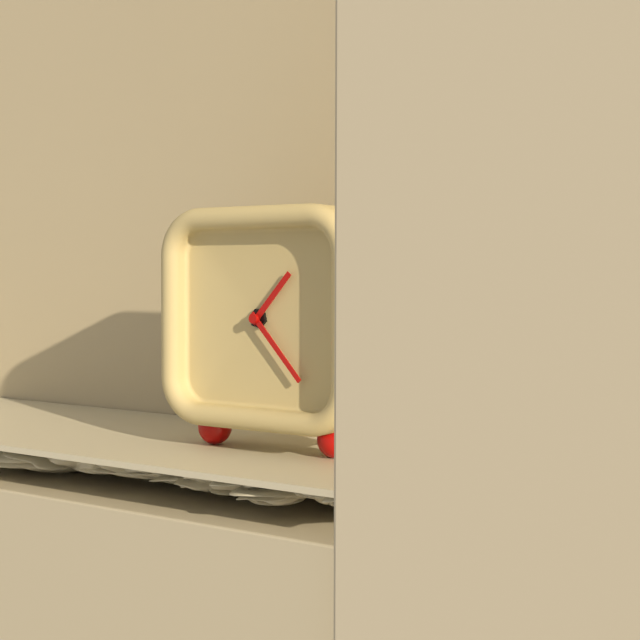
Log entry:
h=1 m=23
